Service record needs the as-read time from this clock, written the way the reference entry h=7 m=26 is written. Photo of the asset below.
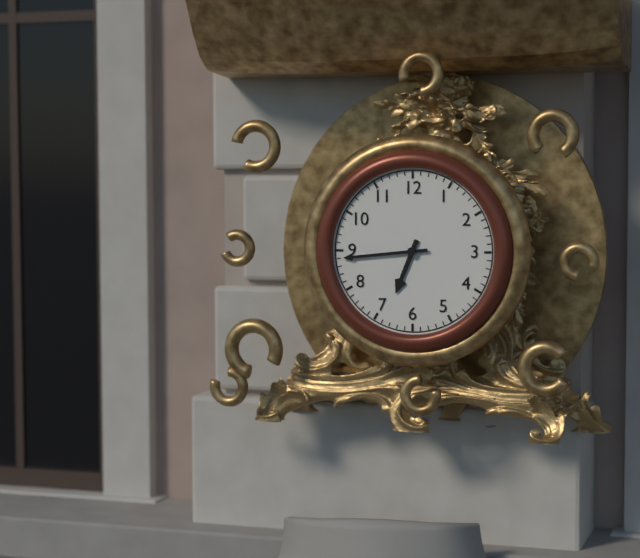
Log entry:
h=6 m=44
